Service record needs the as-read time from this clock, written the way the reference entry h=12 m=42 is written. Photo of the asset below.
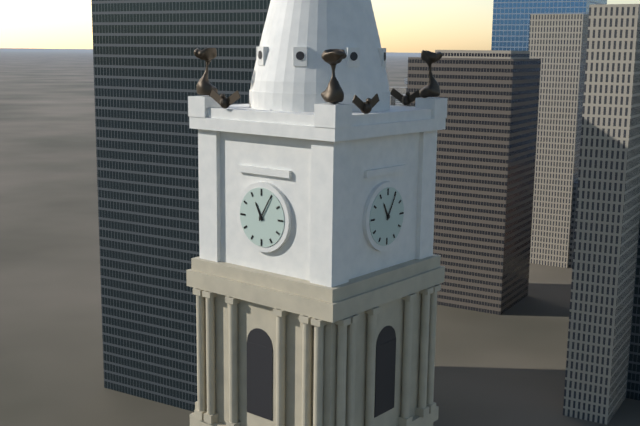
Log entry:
h=11 m=5
